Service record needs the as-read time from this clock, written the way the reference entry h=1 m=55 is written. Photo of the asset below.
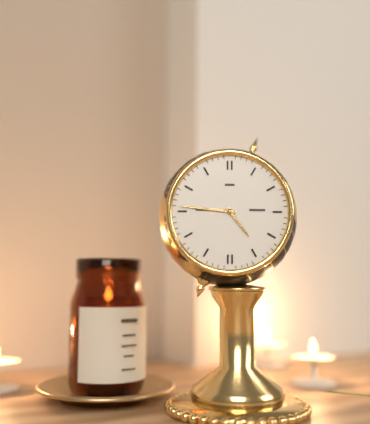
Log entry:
h=4 m=46
